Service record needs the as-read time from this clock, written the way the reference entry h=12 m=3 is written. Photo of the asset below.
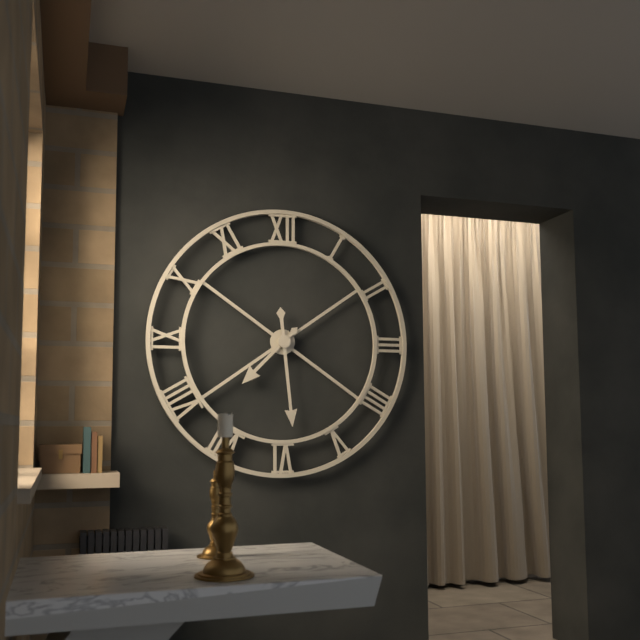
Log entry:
h=7 m=29
